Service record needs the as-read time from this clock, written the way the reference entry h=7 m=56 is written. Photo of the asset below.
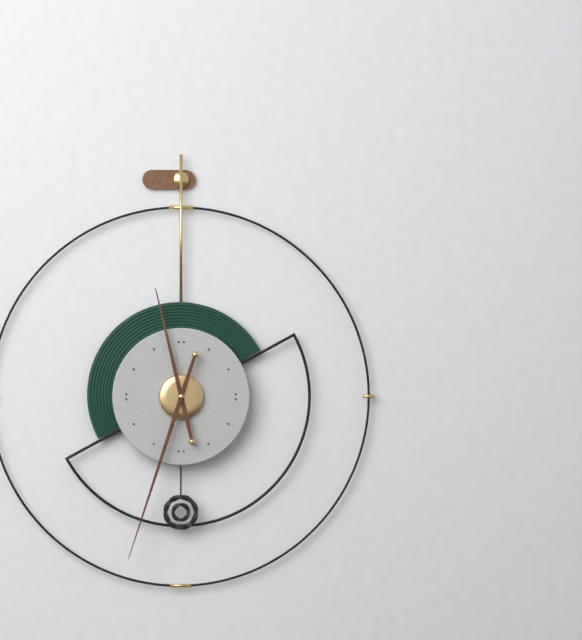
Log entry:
h=11 m=33
